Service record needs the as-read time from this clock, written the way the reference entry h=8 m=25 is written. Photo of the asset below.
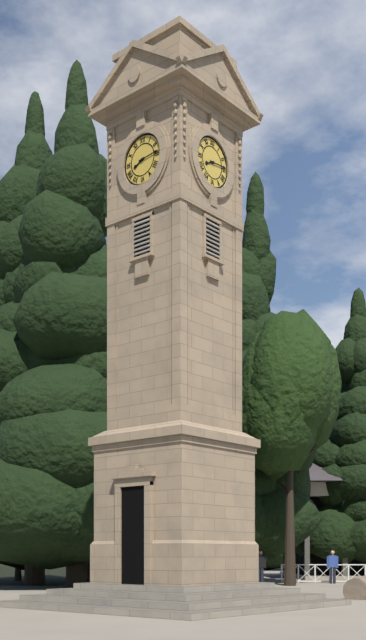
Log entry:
h=8 m=14
